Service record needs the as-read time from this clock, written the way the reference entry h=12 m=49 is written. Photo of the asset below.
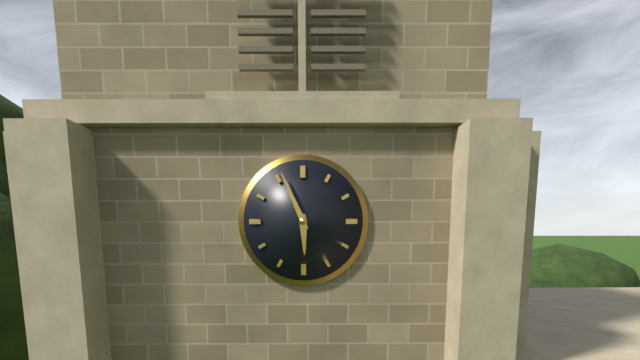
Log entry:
h=5 m=56
